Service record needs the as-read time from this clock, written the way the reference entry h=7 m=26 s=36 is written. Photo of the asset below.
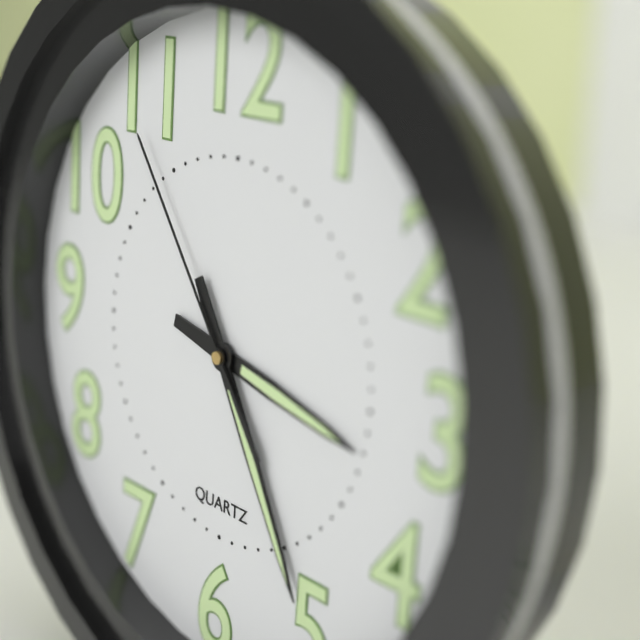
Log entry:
h=3 m=25 s=54
